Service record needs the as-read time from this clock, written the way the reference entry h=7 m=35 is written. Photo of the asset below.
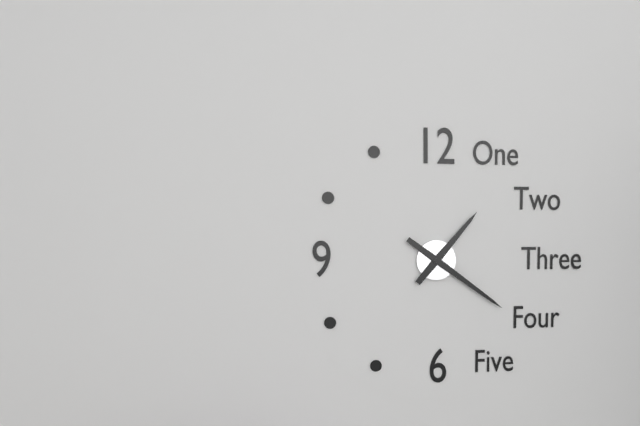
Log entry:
h=1 m=21
